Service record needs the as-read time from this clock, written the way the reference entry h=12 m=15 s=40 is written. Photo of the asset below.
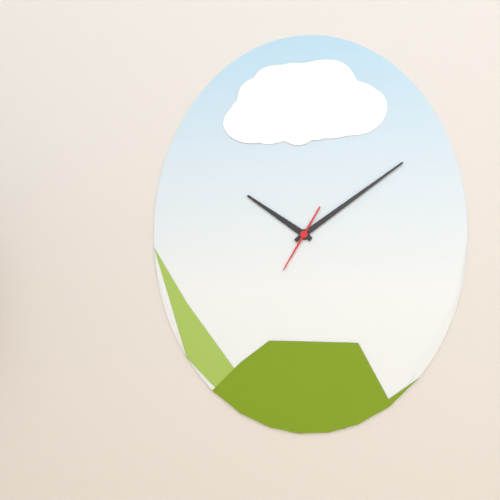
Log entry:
h=10 m=9 s=35
